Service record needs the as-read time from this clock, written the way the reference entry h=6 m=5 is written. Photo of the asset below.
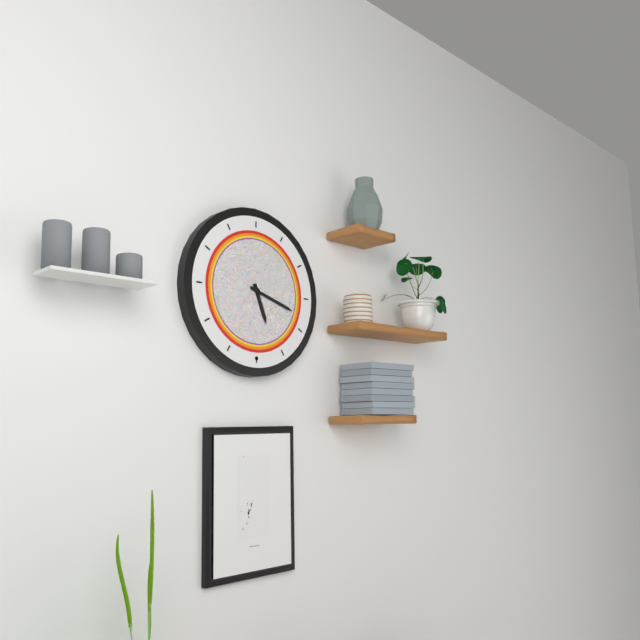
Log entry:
h=5 m=18
